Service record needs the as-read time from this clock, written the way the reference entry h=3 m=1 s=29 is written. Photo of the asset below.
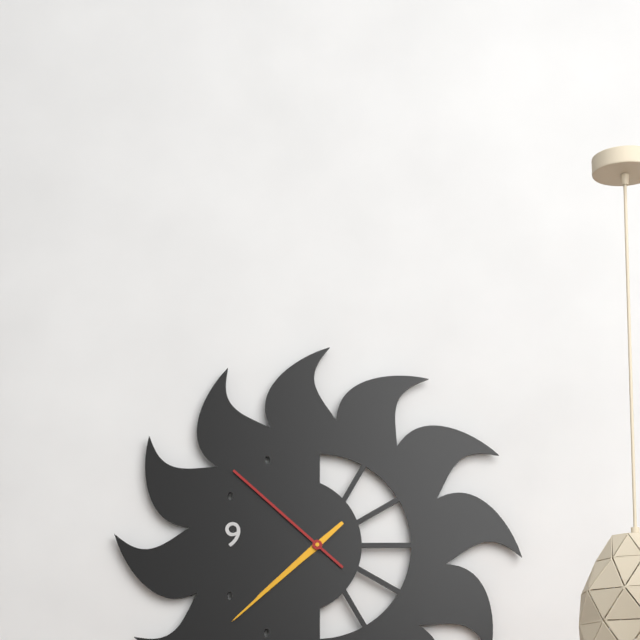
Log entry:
h=7 m=38 s=52
